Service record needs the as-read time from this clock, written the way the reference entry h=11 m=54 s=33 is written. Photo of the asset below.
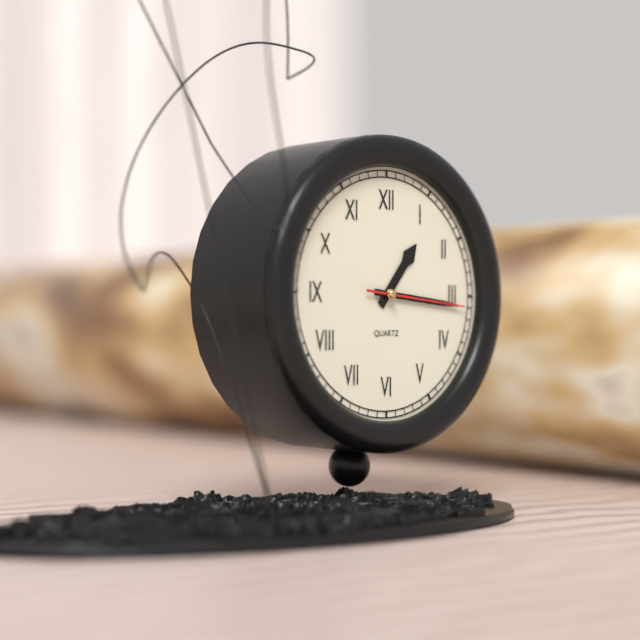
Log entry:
h=1 m=16 s=16
